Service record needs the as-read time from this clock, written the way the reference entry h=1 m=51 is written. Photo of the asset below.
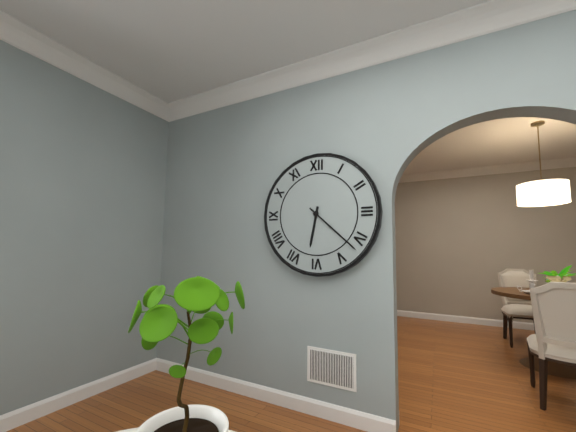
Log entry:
h=6 m=22
